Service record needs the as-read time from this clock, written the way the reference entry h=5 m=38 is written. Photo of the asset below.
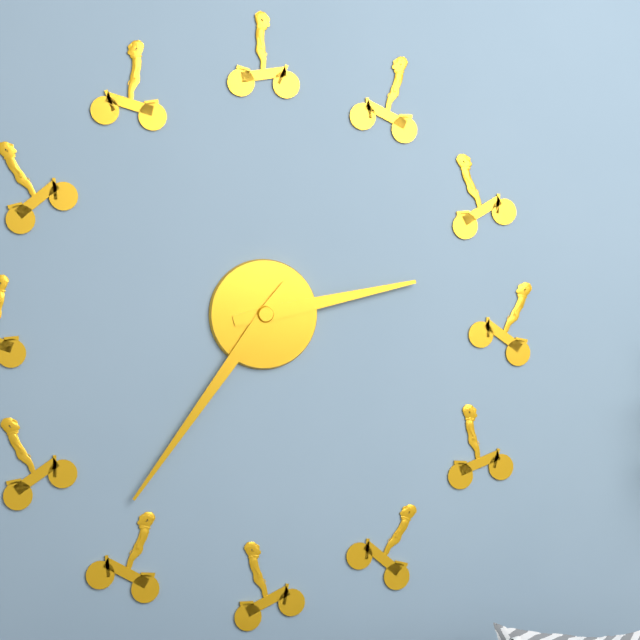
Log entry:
h=2 m=36
